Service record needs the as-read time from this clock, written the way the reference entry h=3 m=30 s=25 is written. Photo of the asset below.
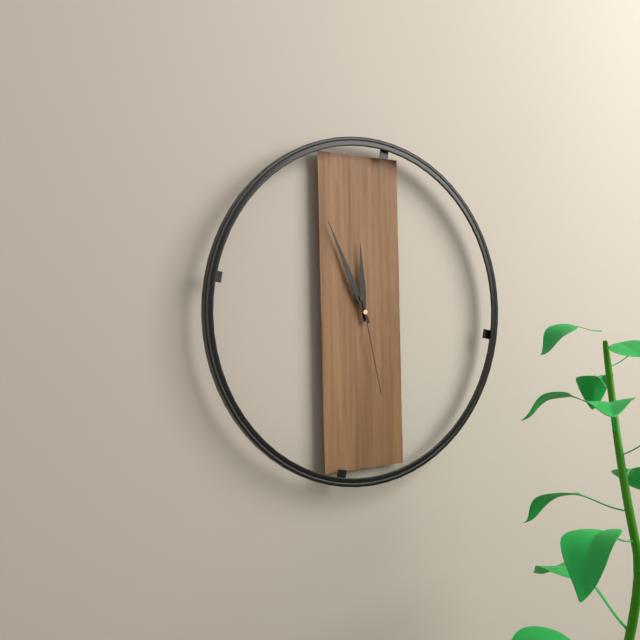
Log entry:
h=11 m=56 s=28
